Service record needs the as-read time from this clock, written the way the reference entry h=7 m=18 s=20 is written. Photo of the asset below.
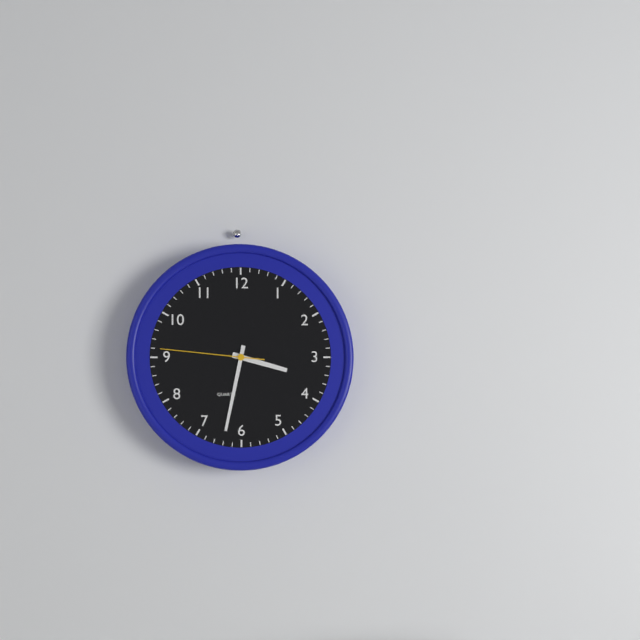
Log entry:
h=3 m=32 s=46
